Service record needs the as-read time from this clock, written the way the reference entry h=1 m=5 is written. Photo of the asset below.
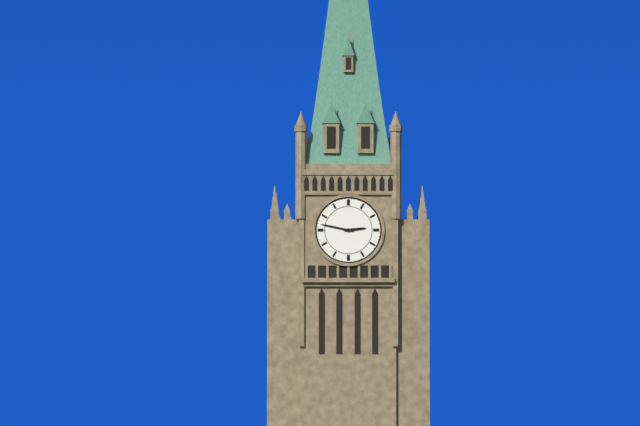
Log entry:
h=2 m=47
